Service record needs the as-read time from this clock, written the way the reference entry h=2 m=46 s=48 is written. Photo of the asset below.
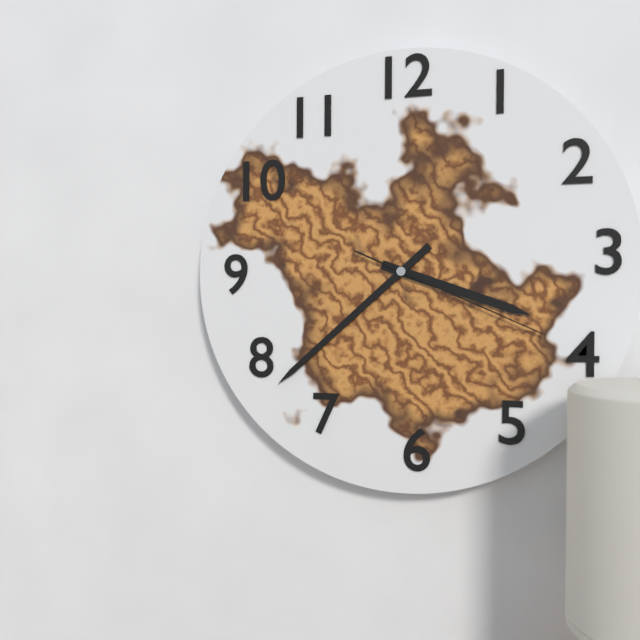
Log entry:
h=3 m=38 s=19
